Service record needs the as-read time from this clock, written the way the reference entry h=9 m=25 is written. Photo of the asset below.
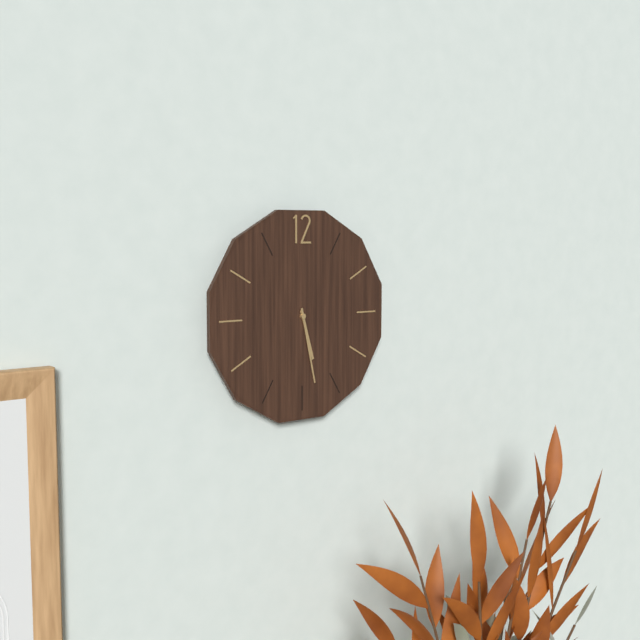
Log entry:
h=5 m=28
